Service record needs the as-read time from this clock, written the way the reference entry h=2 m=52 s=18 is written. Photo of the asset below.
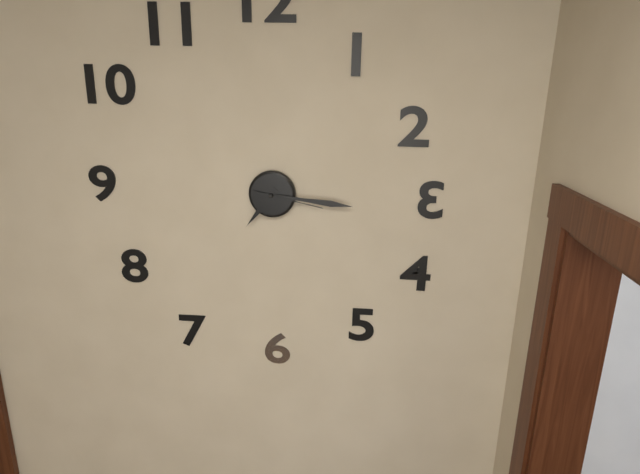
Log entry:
h=7 m=16 s=17
